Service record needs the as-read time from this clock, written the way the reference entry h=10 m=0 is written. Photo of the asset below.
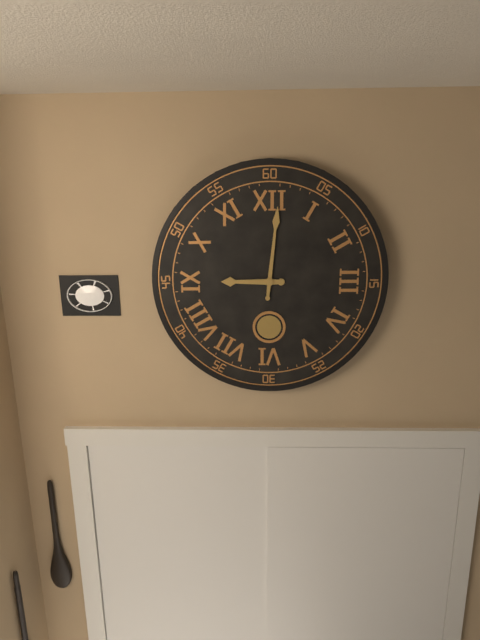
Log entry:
h=9 m=1
